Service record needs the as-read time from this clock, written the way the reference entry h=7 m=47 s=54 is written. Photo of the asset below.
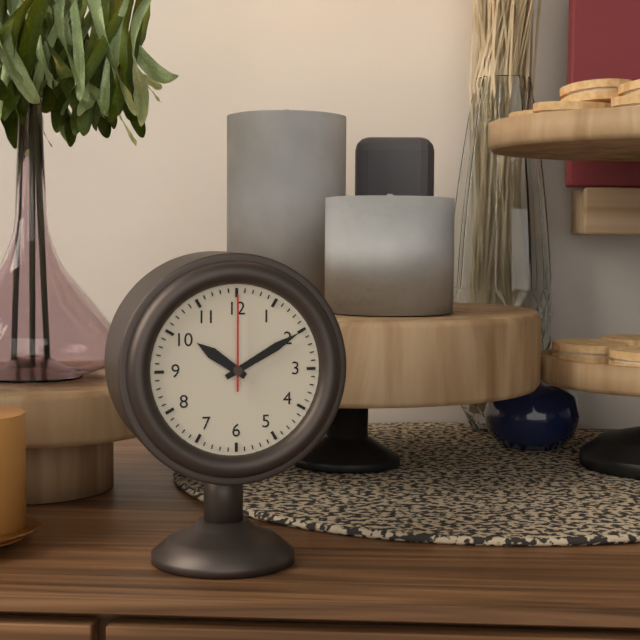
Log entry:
h=10 m=10 s=0
